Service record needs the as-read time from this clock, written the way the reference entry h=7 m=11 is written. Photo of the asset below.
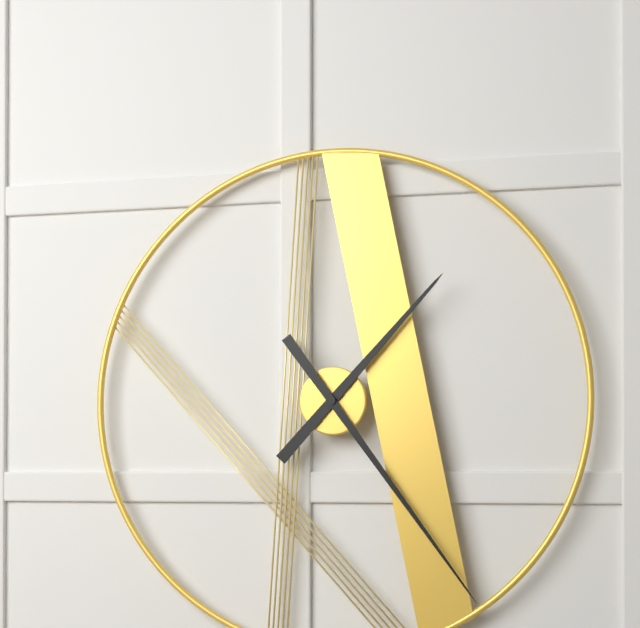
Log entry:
h=1 m=24
